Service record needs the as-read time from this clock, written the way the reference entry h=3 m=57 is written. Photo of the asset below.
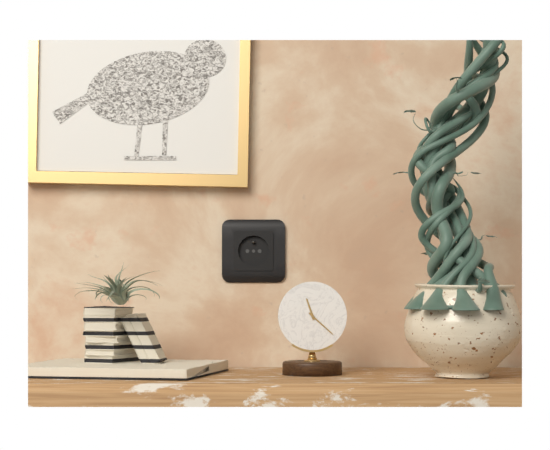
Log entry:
h=11 m=22
